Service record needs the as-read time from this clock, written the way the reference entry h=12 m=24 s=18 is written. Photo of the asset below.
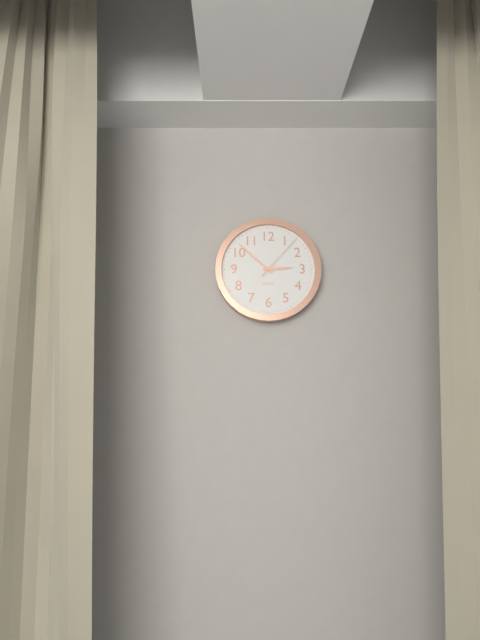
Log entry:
h=2 m=52 s=7
